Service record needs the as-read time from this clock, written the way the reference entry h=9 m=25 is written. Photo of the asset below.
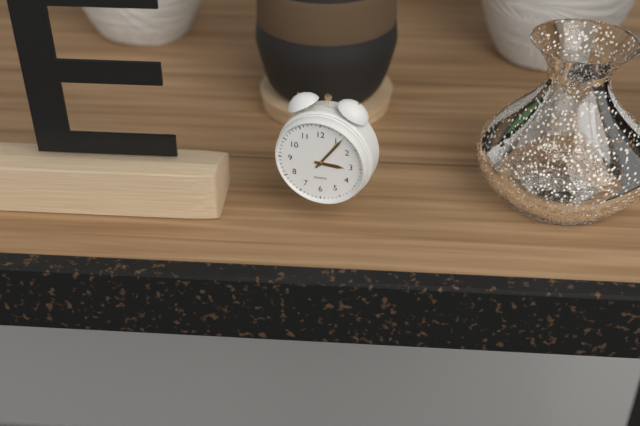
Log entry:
h=3 m=6
